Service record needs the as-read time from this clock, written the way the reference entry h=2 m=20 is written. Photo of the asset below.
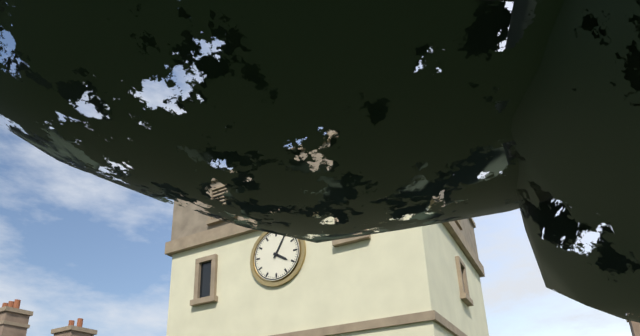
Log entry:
h=4 m=5
